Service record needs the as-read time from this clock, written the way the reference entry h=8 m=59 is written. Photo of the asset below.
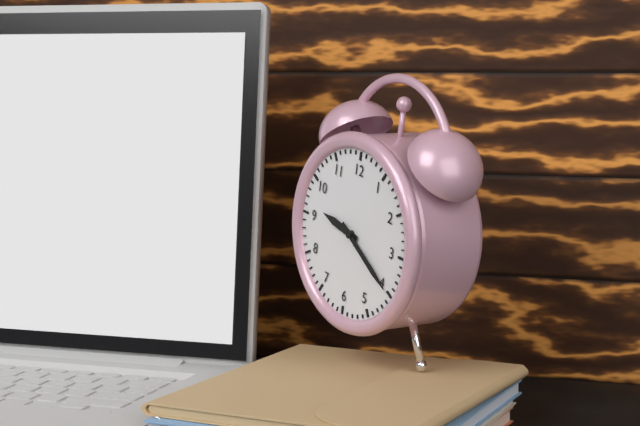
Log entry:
h=9 m=20
